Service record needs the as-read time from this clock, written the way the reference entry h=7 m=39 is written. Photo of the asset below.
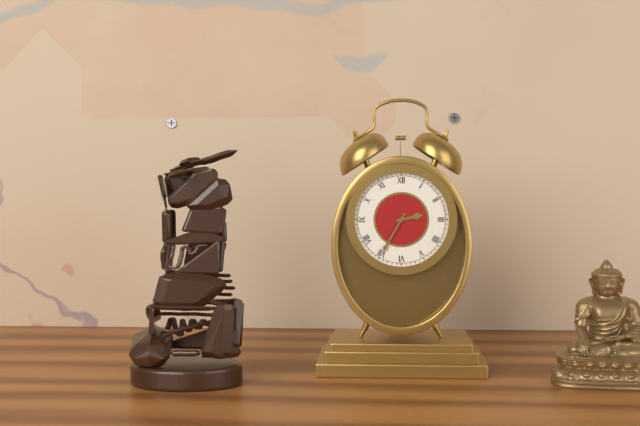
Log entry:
h=2 m=35
